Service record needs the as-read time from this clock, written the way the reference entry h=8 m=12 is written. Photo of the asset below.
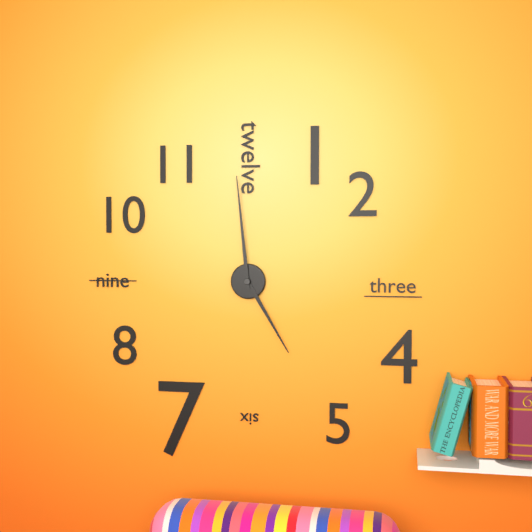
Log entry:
h=4 m=59
